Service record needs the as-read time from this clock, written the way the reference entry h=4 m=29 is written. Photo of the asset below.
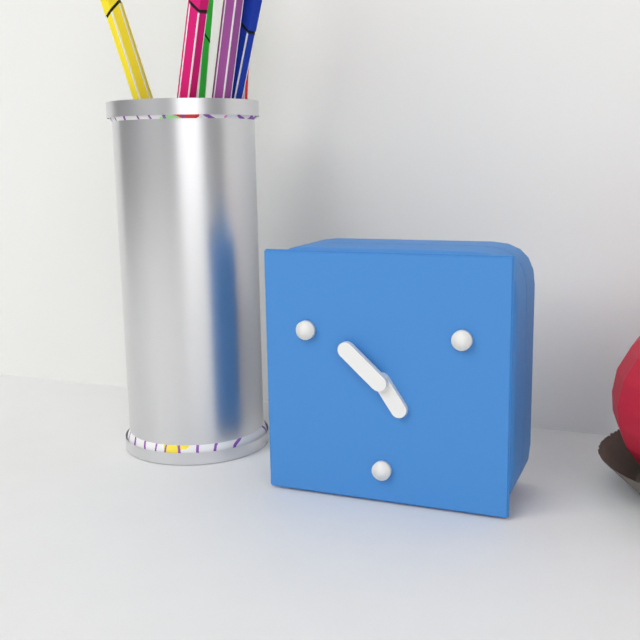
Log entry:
h=4 m=52
